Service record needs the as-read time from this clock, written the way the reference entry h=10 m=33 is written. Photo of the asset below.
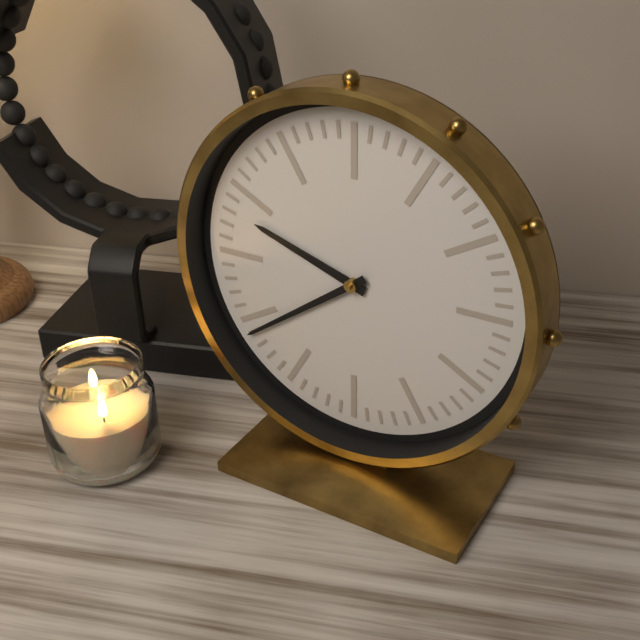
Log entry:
h=9 m=39
